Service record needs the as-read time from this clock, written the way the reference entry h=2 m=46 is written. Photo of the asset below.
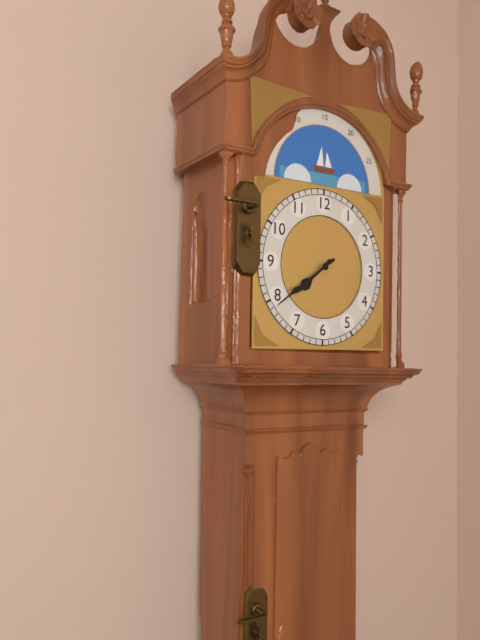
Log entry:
h=7 m=39
